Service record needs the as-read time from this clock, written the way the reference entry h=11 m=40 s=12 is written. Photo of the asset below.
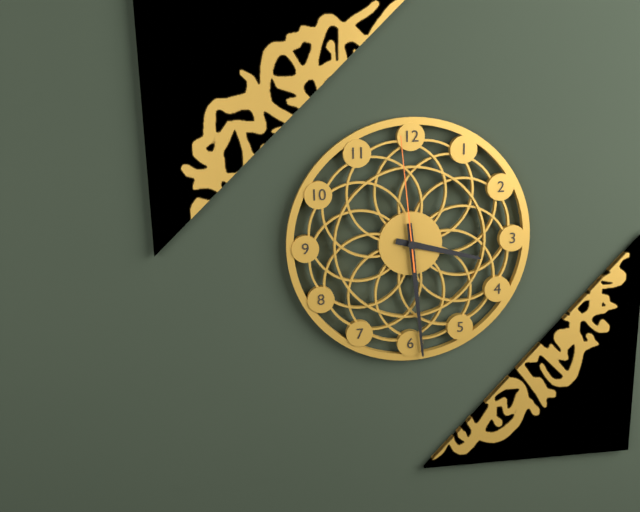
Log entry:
h=3 m=29 s=59
